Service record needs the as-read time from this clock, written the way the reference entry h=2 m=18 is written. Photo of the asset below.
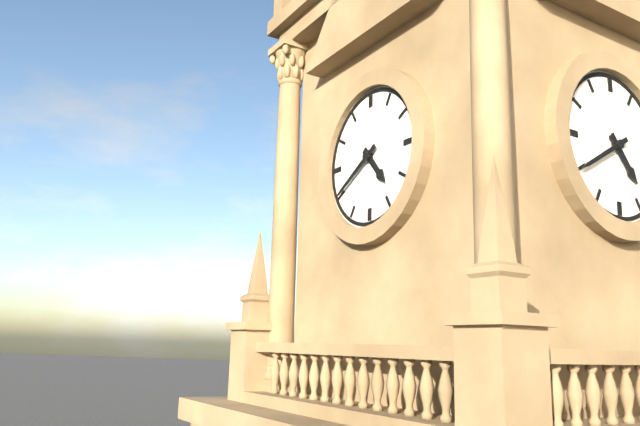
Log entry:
h=4 m=40
